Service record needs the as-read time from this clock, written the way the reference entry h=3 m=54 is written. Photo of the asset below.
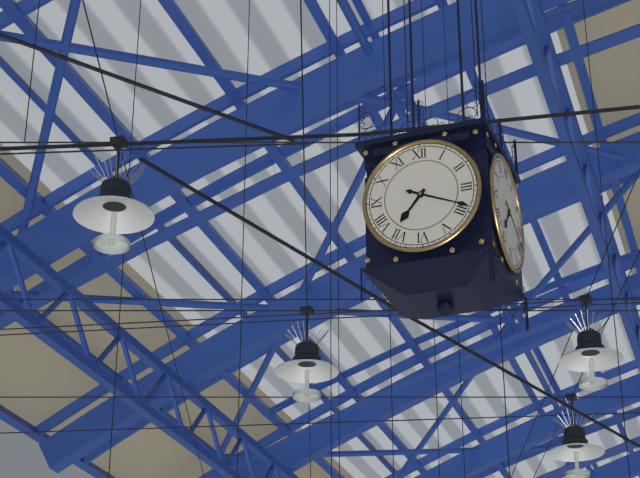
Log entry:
h=7 m=19
